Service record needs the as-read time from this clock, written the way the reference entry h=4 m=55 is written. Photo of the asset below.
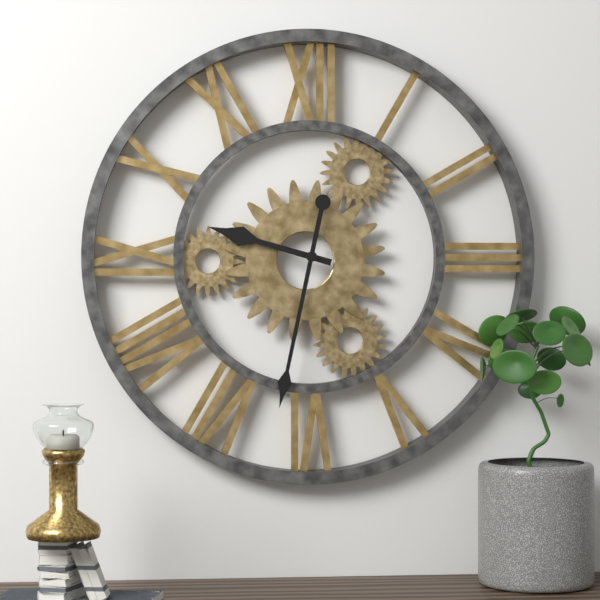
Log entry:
h=9 m=32
